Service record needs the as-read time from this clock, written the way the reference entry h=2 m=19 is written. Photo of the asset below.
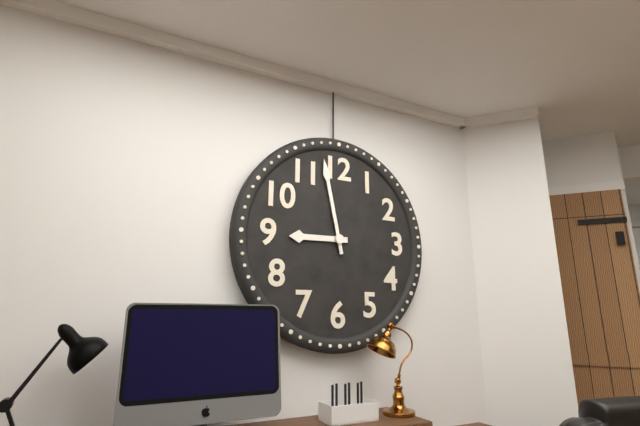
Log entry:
h=8 m=58
